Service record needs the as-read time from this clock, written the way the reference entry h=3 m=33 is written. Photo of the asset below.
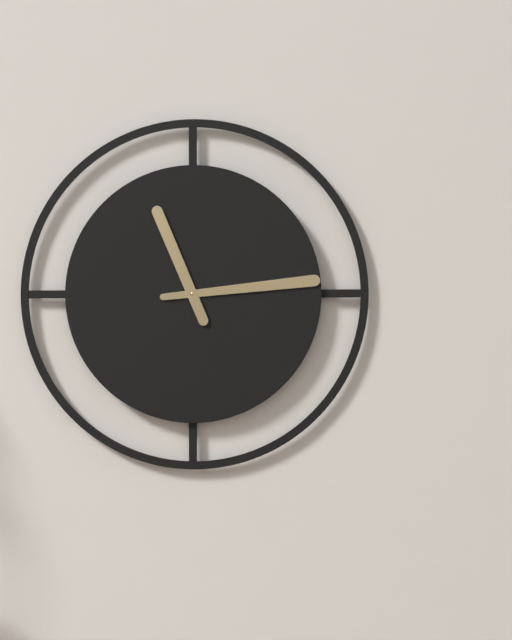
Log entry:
h=11 m=14
